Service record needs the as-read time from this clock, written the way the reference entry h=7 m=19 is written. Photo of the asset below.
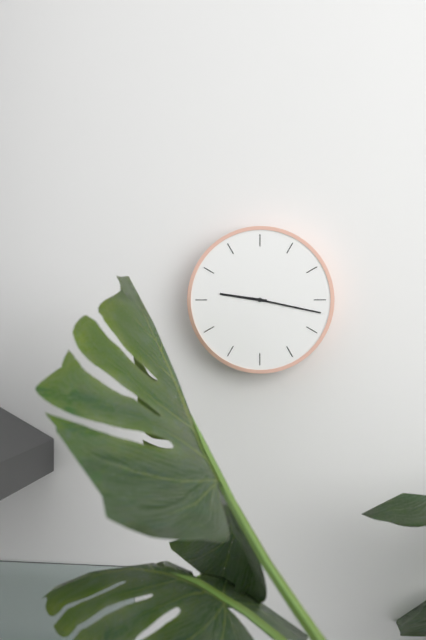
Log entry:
h=9 m=17
